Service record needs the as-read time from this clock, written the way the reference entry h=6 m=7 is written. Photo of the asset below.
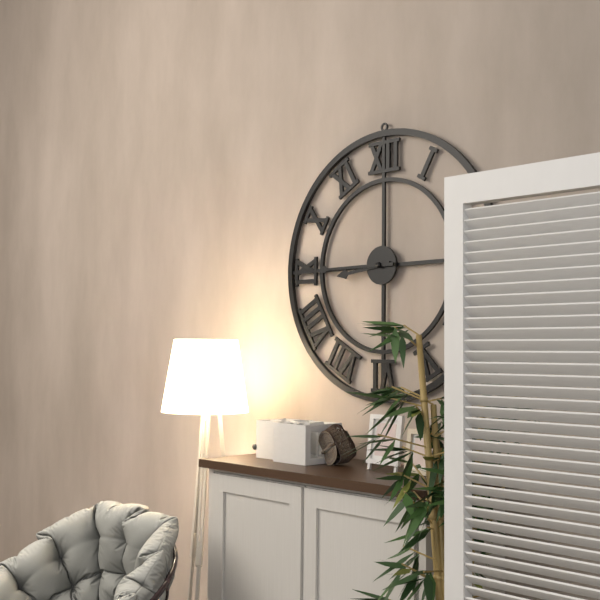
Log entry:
h=8 m=45
